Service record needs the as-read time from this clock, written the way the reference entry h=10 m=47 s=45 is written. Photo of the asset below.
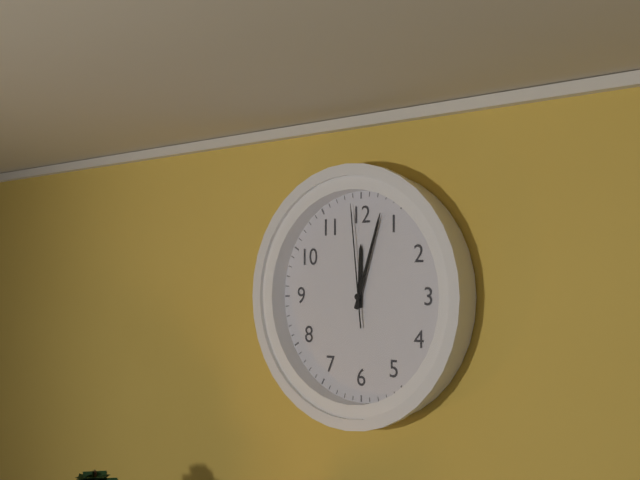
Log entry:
h=12 m=3 s=59
